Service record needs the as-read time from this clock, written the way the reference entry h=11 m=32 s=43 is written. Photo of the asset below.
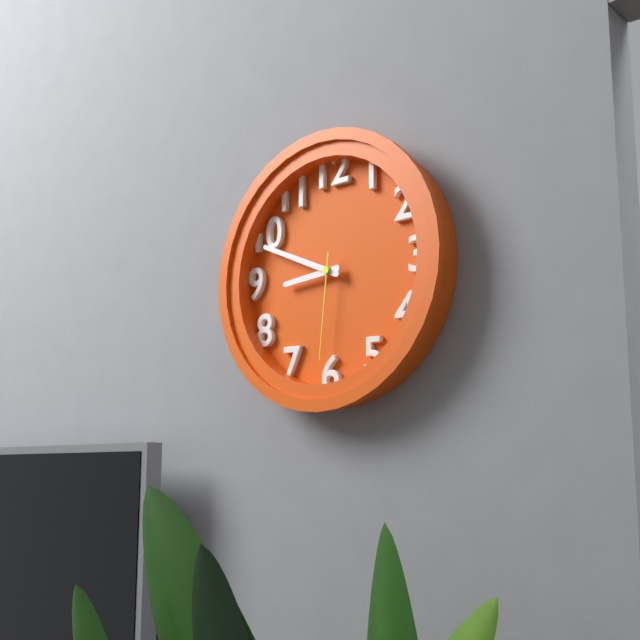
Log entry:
h=8 m=49 s=31
